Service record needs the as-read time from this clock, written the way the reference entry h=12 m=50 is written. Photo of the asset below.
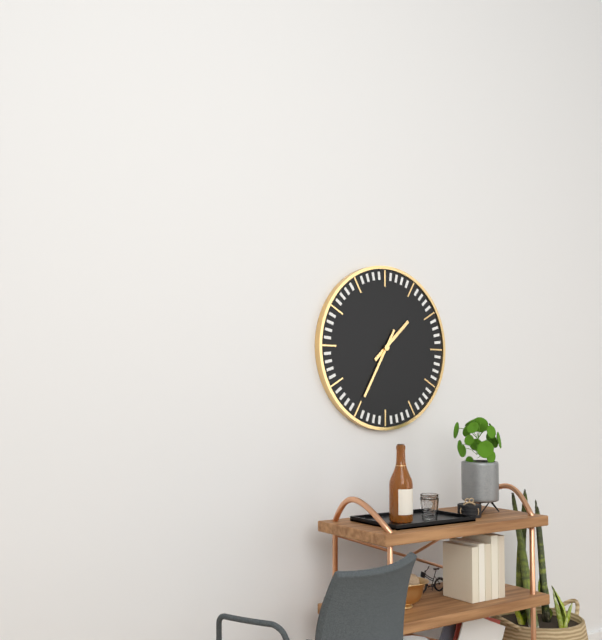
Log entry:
h=1 m=35
